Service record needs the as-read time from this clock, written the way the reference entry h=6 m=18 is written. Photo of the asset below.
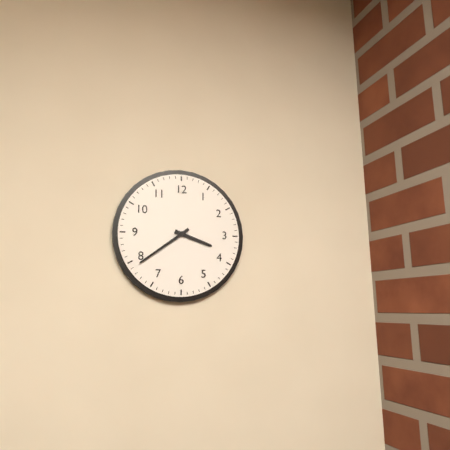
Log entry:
h=3 m=39
